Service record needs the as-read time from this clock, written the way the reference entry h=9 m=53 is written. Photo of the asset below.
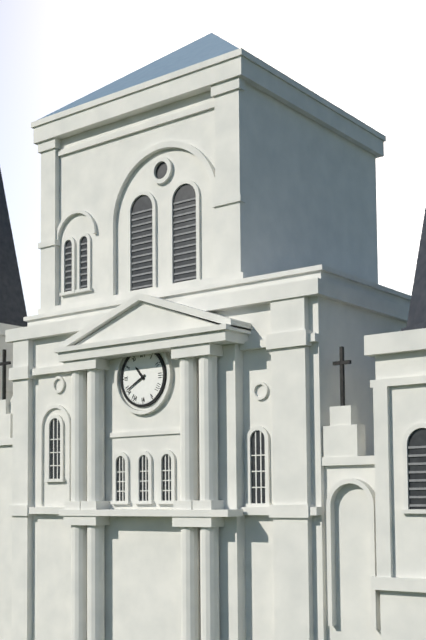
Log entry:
h=10 m=40
